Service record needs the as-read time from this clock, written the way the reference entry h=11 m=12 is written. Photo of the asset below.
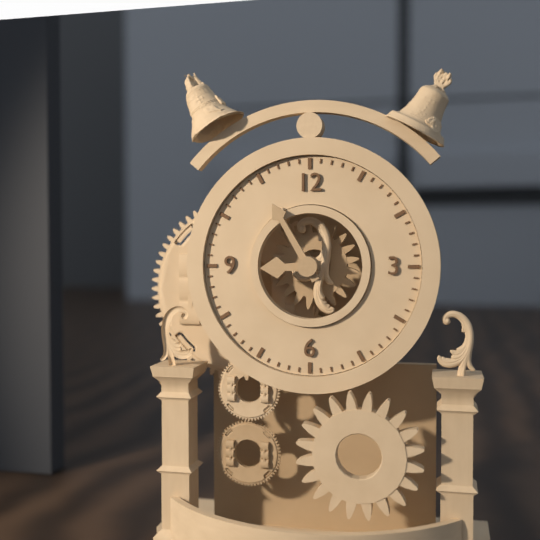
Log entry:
h=8 m=55
